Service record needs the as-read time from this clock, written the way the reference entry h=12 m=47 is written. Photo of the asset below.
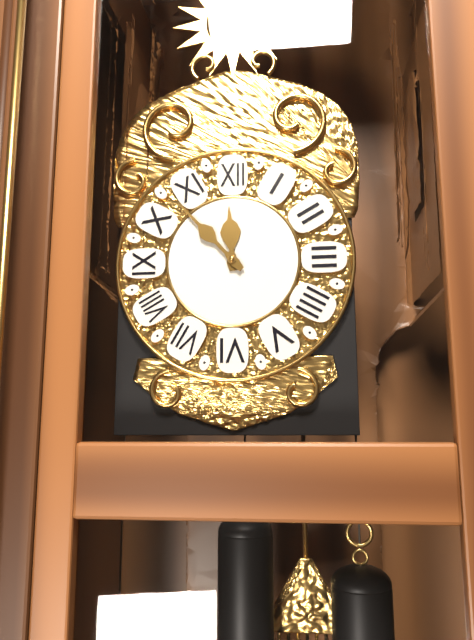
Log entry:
h=11 m=53
